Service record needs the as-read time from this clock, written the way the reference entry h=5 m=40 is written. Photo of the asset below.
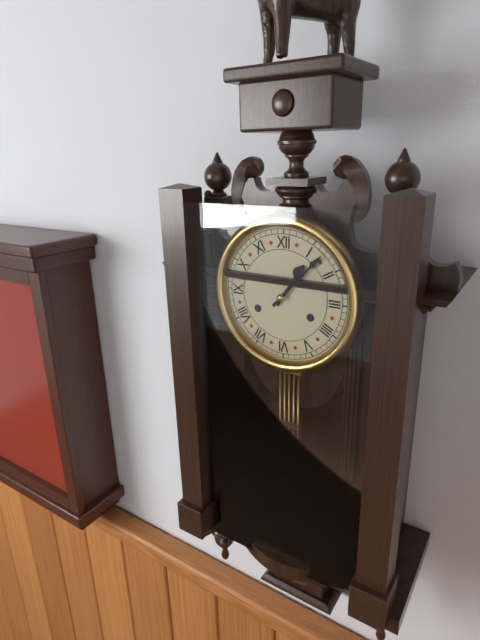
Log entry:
h=1 m=7
